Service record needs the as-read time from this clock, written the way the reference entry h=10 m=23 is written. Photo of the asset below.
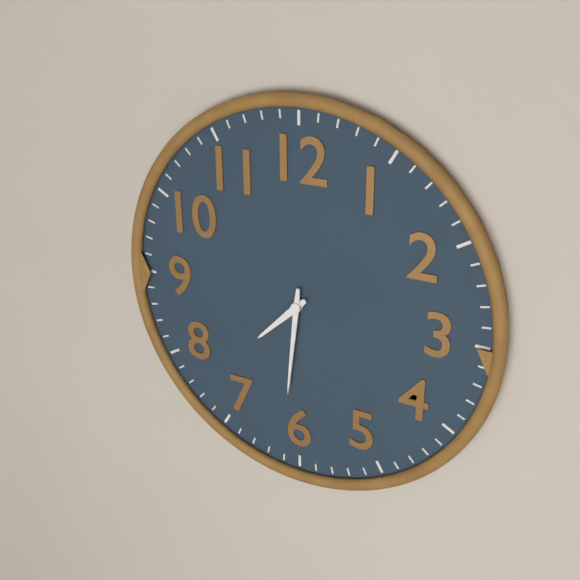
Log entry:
h=7 m=31
